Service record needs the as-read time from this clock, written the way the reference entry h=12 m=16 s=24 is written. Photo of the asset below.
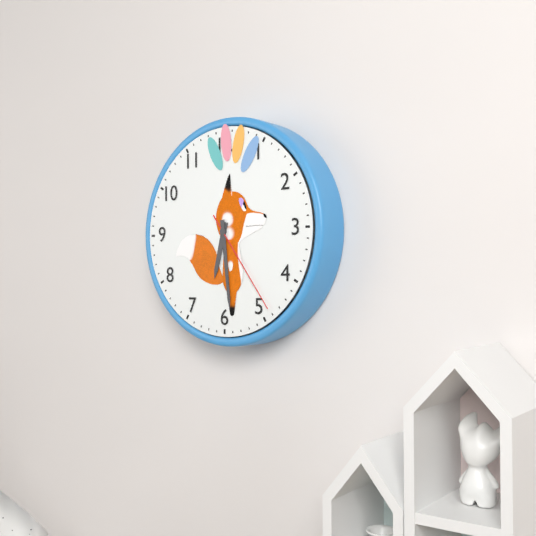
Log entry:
h=6 m=29 s=24
